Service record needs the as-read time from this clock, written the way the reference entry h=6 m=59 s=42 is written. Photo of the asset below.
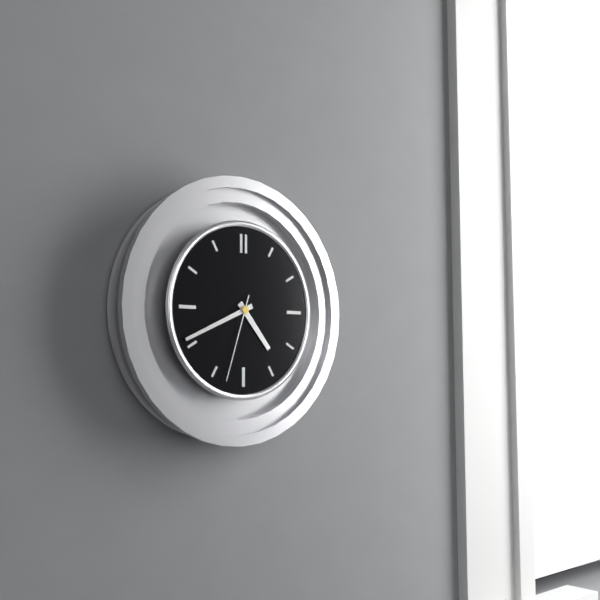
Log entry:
h=4 m=41 s=33
